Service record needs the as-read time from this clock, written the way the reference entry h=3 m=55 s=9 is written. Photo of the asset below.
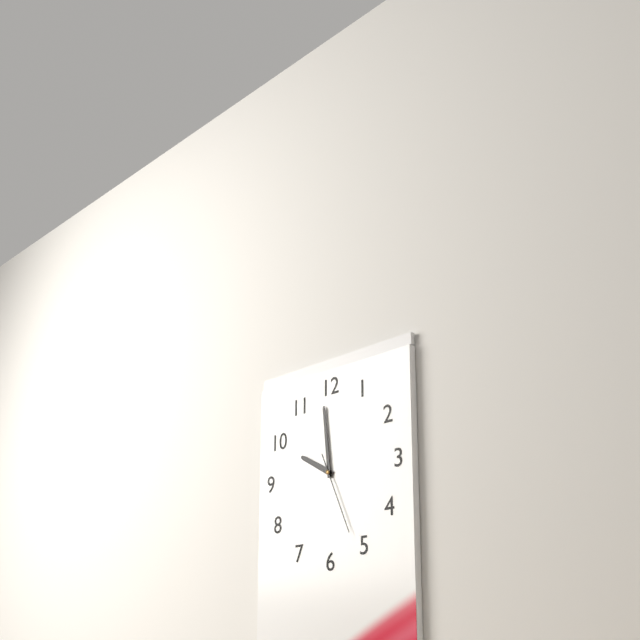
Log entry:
h=9 m=59 s=26
